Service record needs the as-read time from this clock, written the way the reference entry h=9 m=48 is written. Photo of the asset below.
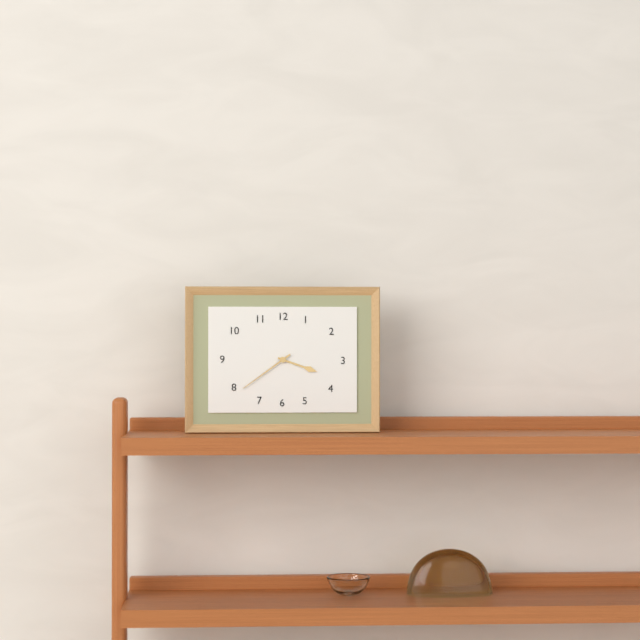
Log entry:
h=3 m=39
